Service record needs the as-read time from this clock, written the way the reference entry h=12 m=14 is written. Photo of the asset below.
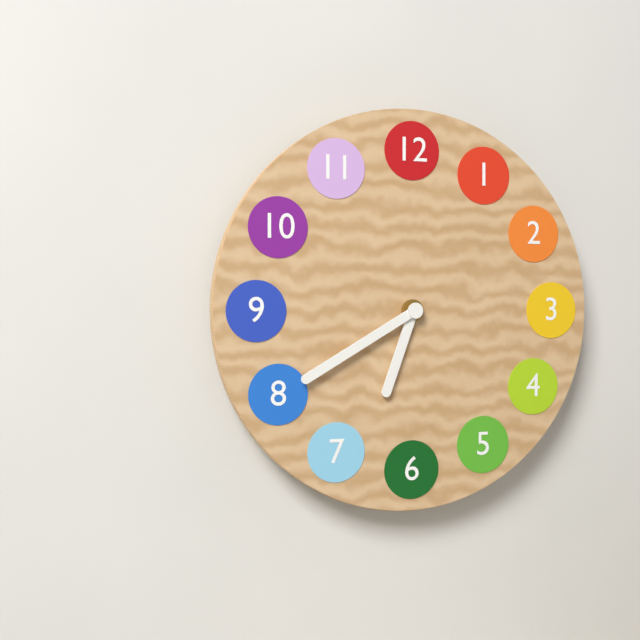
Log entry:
h=6 m=40
